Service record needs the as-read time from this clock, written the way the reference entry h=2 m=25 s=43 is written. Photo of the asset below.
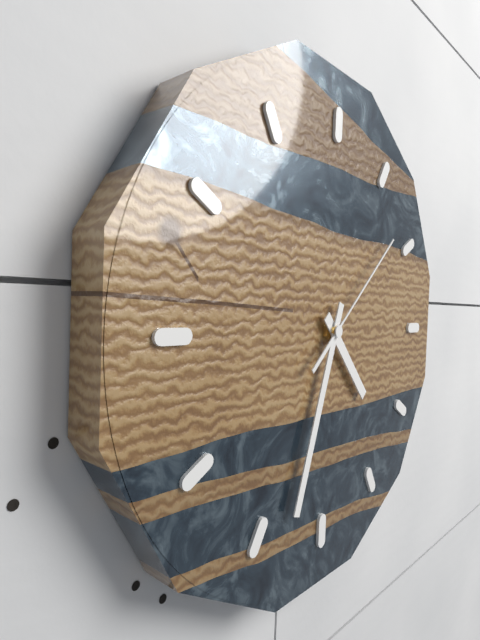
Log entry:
h=4 m=33 s=8
